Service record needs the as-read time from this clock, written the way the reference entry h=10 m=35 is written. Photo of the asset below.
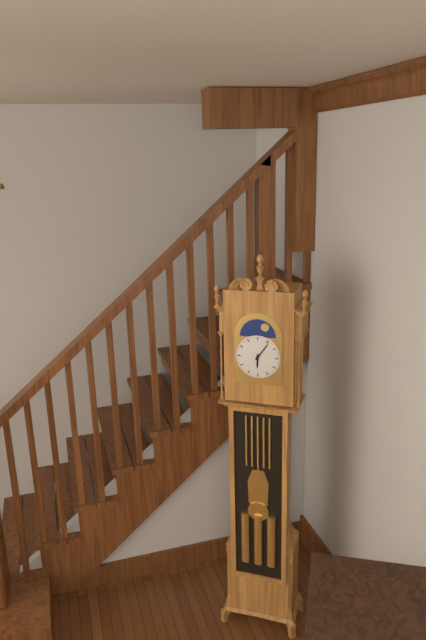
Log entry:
h=6 m=6
